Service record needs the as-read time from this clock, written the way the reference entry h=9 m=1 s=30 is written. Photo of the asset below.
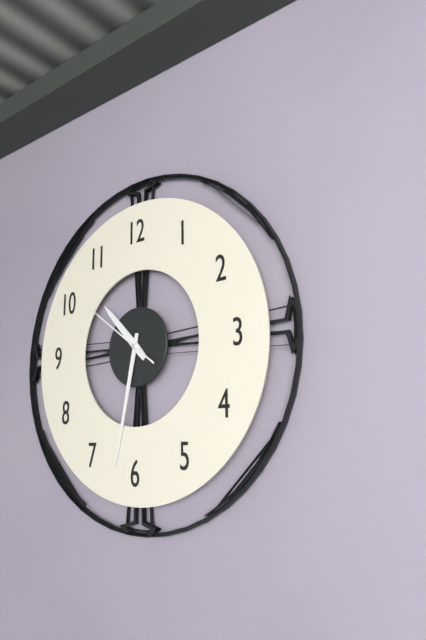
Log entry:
h=10 m=32 s=51
